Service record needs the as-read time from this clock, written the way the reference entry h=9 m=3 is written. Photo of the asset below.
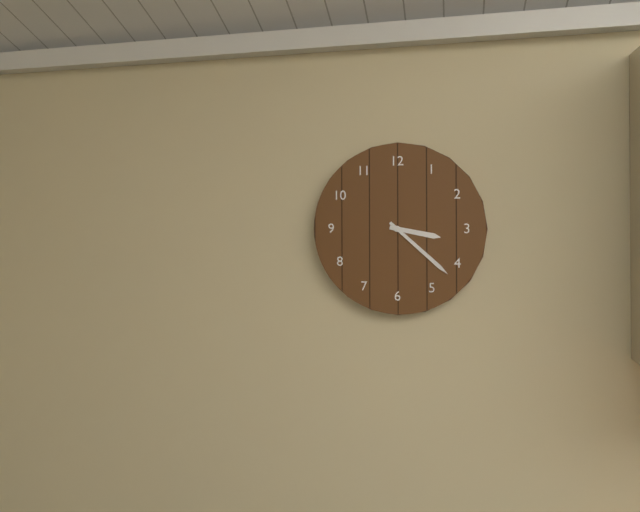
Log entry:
h=3 m=22
